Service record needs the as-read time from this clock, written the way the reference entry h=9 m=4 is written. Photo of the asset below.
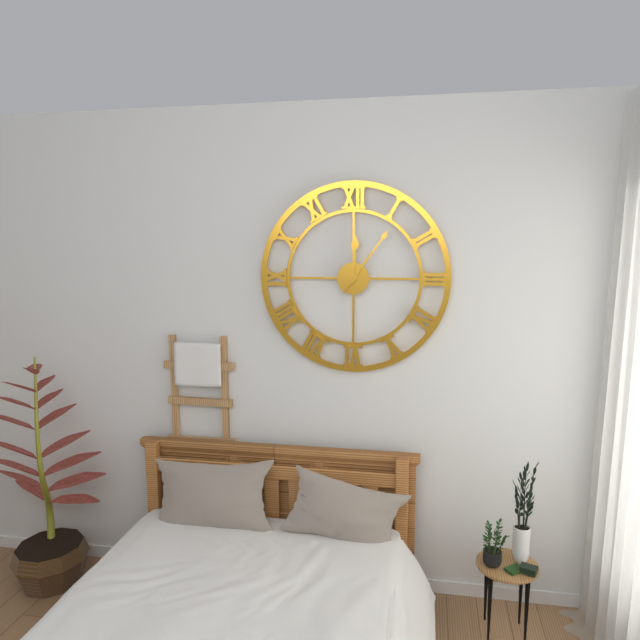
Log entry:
h=12 m=6
